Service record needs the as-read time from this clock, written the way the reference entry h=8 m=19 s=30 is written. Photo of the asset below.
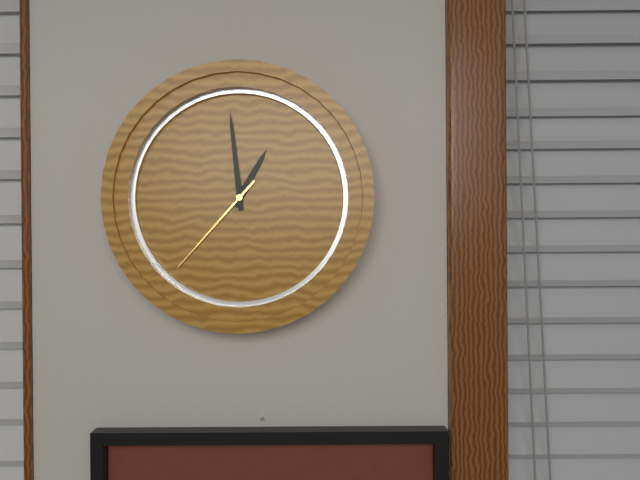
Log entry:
h=12 m=59 s=37
